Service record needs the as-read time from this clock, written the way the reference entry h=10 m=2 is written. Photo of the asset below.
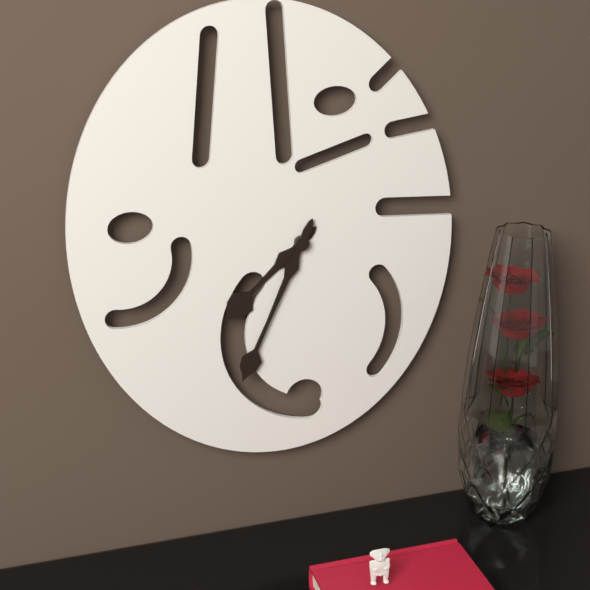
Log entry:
h=7 m=34
